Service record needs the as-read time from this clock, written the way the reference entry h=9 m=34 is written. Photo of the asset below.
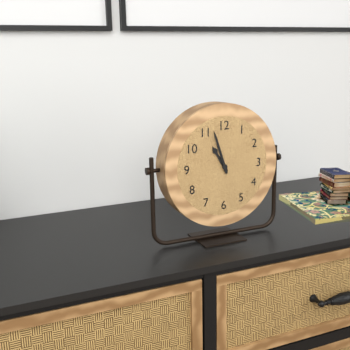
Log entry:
h=10 m=57
